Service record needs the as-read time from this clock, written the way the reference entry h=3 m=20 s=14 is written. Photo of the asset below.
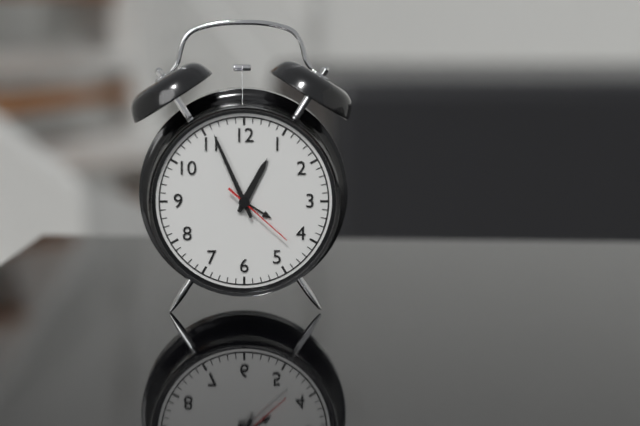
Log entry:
h=12 m=56 s=22
